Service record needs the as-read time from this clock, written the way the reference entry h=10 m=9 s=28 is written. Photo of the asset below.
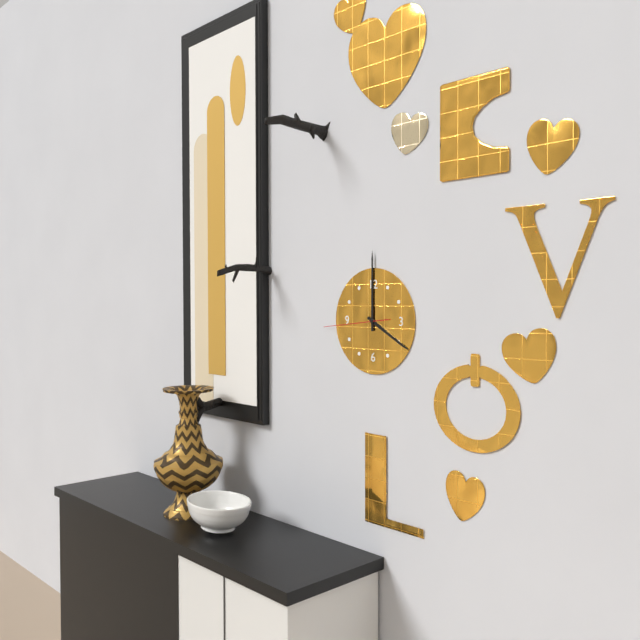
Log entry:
h=4 m=0 s=44
